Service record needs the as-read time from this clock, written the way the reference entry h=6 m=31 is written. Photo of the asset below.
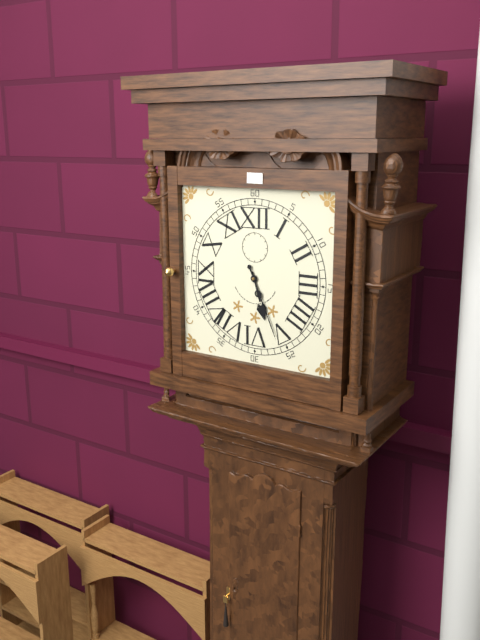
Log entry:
h=5 m=26
